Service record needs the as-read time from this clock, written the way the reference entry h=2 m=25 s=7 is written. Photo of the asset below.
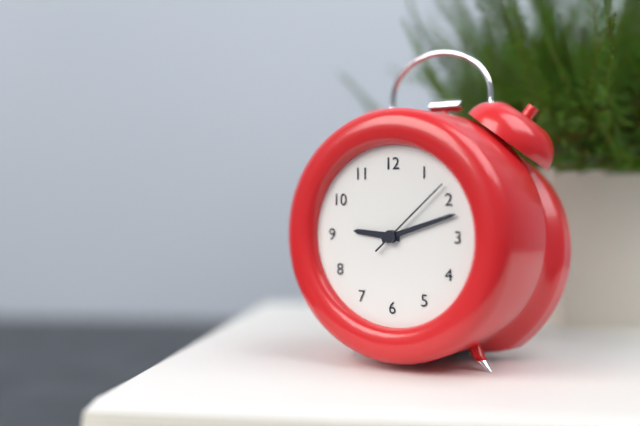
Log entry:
h=9 m=12 s=8
